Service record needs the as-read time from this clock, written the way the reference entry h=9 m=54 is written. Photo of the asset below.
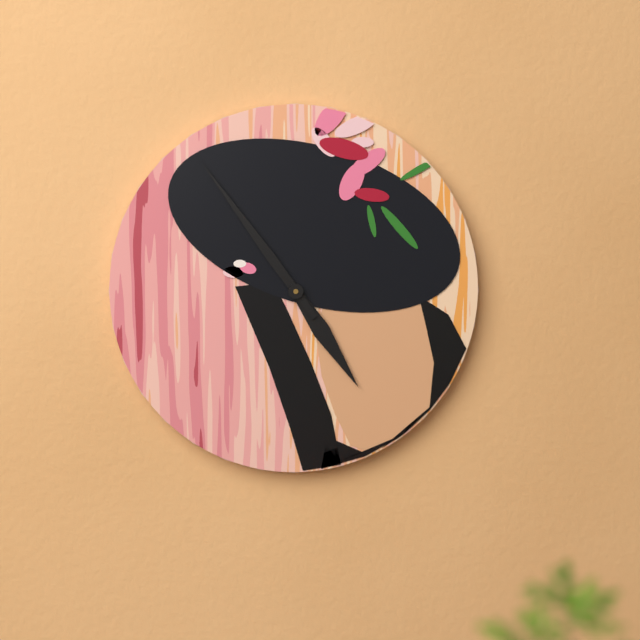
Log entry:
h=4 m=54
